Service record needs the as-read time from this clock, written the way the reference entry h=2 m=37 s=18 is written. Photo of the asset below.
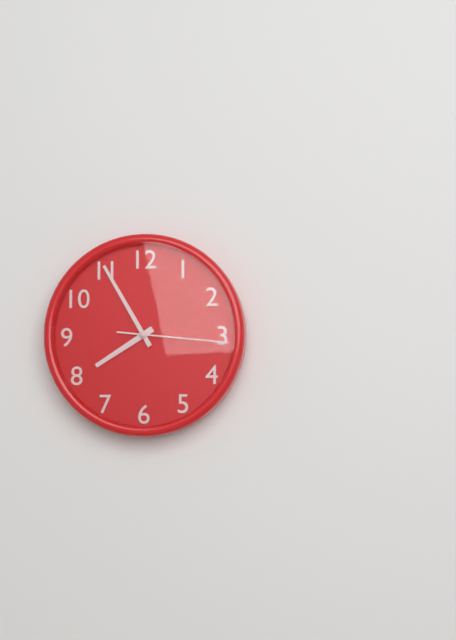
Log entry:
h=7 m=55 s=16
